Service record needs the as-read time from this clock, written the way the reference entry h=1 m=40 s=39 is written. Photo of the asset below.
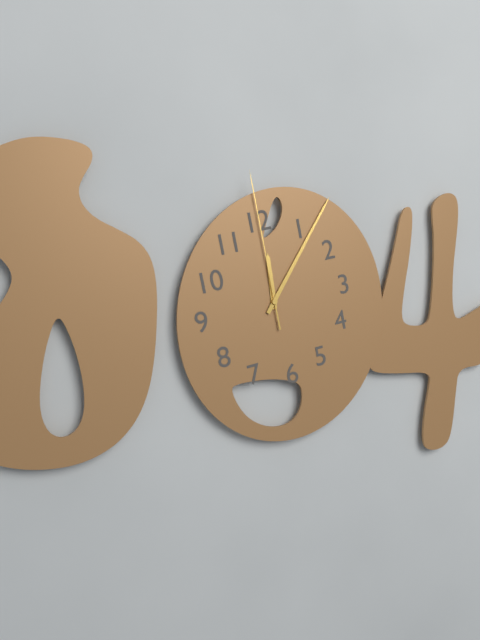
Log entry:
h=12 m=7 s=0
